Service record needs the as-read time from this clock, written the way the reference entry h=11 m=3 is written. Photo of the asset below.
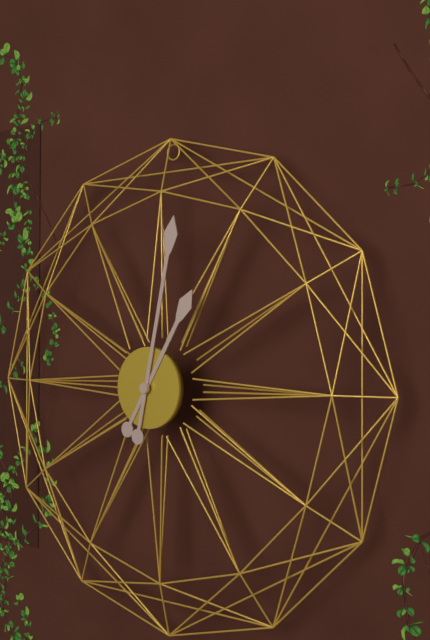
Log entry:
h=1 m=2
